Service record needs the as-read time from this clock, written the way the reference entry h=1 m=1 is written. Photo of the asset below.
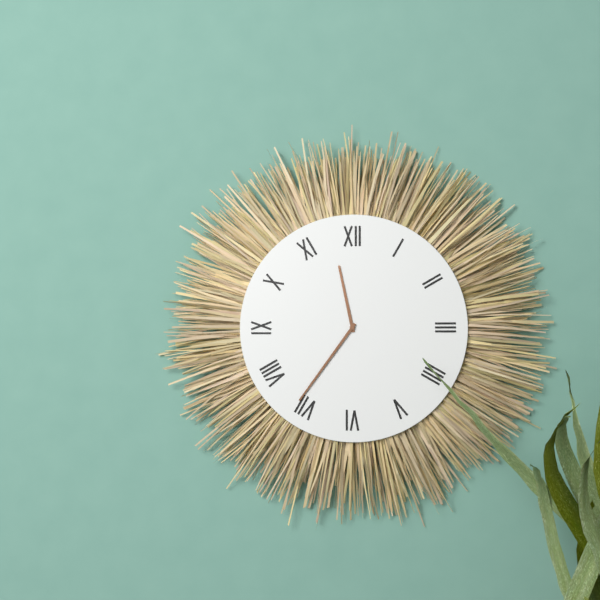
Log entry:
h=11 m=36
